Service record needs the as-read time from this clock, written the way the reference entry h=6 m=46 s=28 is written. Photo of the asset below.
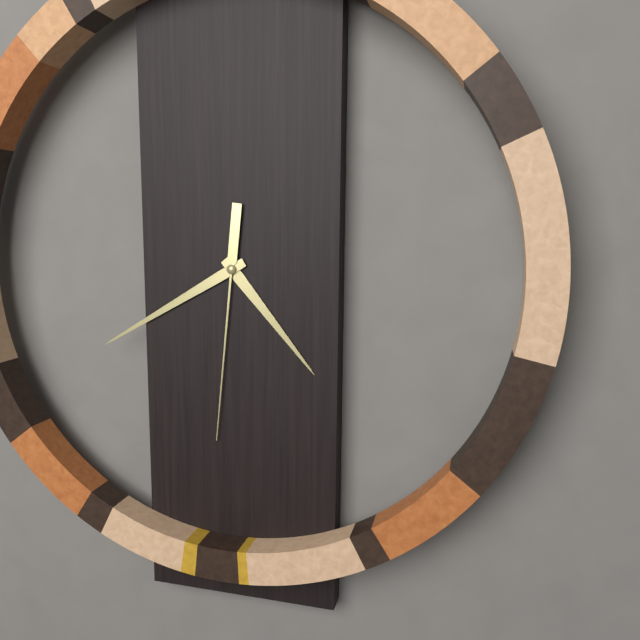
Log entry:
h=4 m=40 s=31
